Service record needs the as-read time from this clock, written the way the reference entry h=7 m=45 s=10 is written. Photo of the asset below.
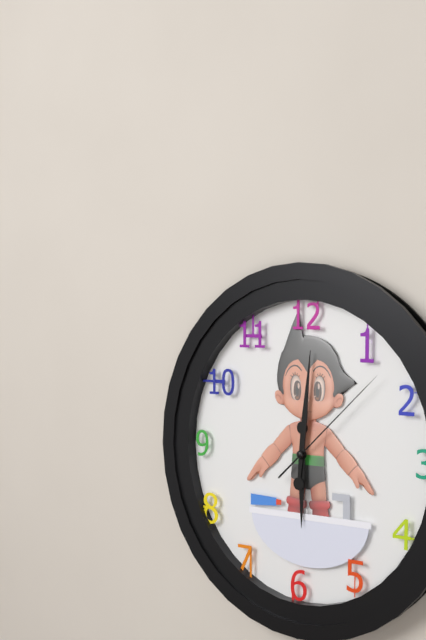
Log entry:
h=6 m=1 s=8
